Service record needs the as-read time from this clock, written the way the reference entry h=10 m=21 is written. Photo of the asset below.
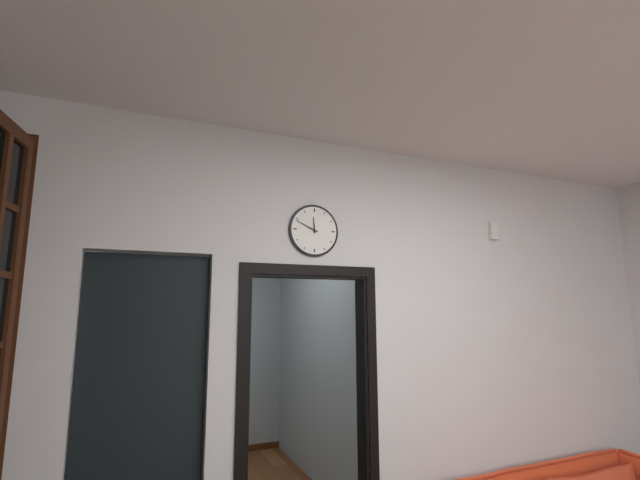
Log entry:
h=11 m=49
